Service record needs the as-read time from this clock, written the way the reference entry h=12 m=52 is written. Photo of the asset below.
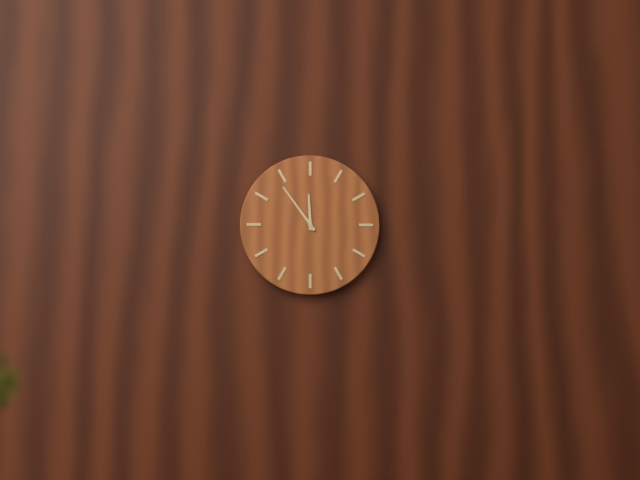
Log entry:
h=11 m=54
